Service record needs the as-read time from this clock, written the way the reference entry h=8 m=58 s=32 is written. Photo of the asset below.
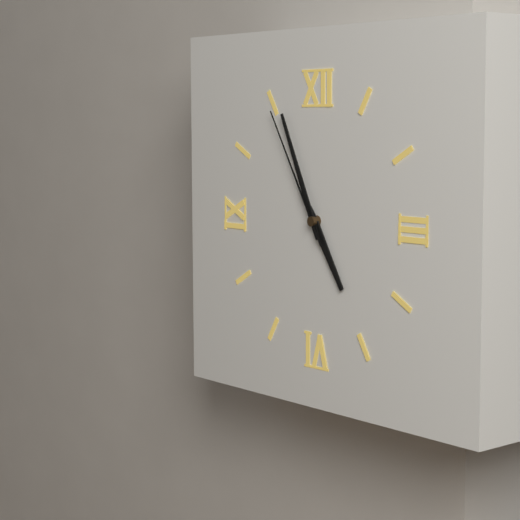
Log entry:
h=4 m=56 s=55
